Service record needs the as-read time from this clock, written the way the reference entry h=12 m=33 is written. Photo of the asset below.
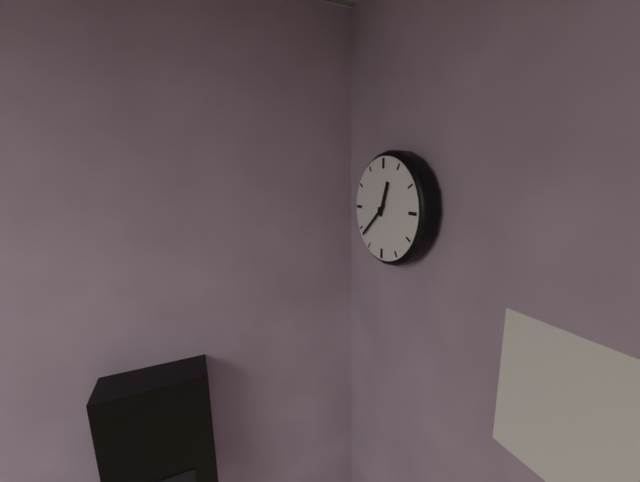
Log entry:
h=12 m=38
